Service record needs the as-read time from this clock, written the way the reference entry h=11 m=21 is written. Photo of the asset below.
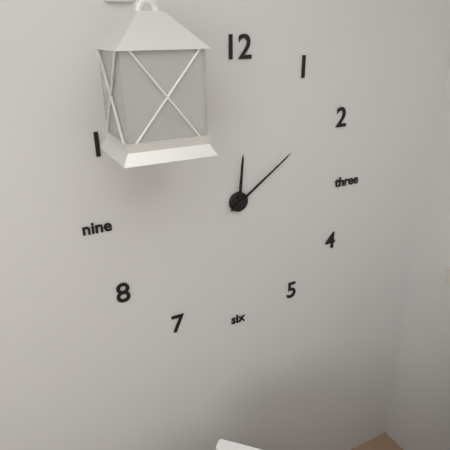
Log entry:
h=12 m=9
